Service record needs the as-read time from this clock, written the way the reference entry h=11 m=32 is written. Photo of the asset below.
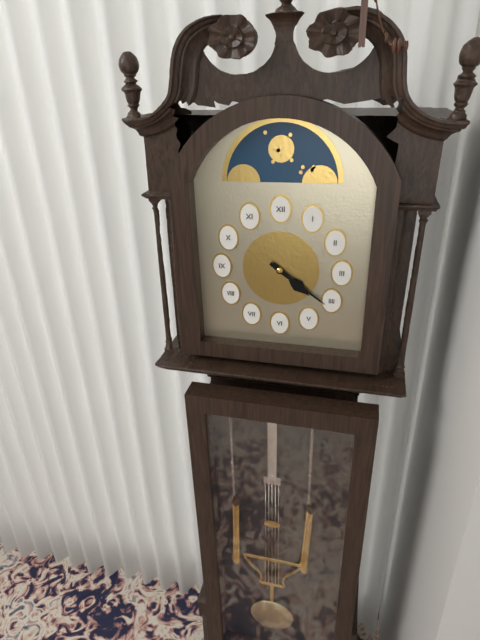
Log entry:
h=4 m=21
